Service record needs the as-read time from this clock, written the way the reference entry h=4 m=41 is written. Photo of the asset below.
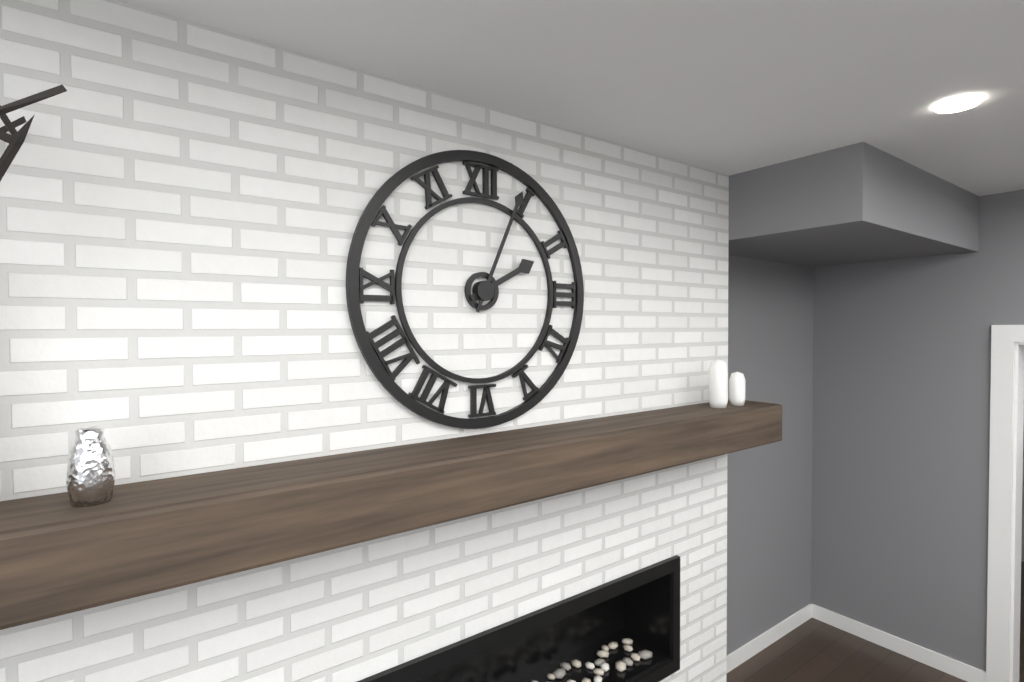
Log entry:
h=2 m=4
